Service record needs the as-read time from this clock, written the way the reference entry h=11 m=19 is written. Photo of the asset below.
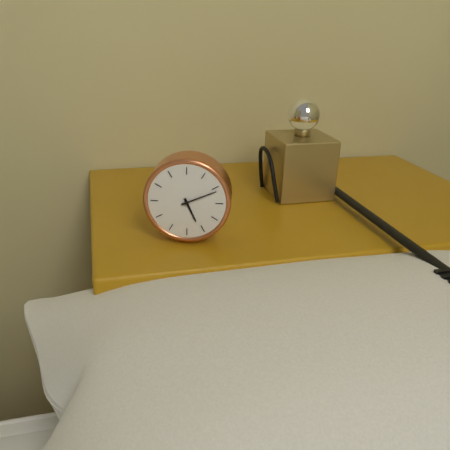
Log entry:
h=5 m=11
